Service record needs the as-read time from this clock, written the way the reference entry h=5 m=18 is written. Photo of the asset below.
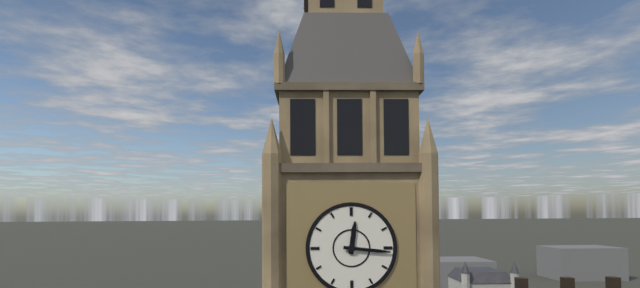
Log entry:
h=12 m=16
